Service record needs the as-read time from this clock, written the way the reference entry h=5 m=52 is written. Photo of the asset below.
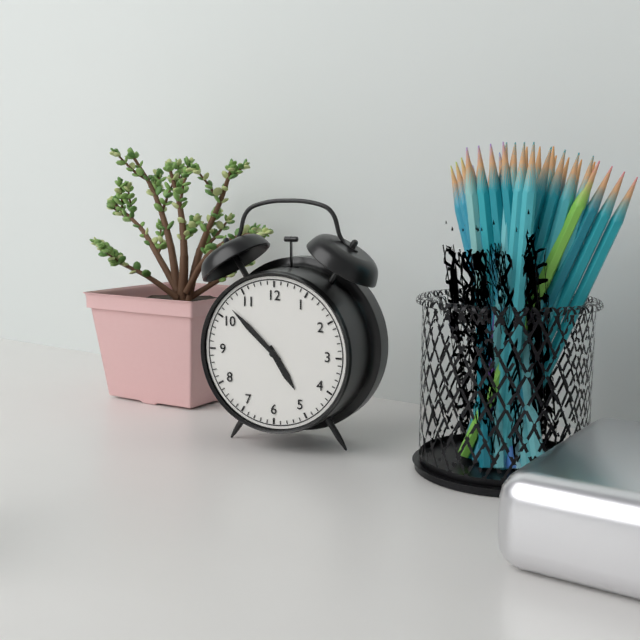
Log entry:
h=4 m=52
